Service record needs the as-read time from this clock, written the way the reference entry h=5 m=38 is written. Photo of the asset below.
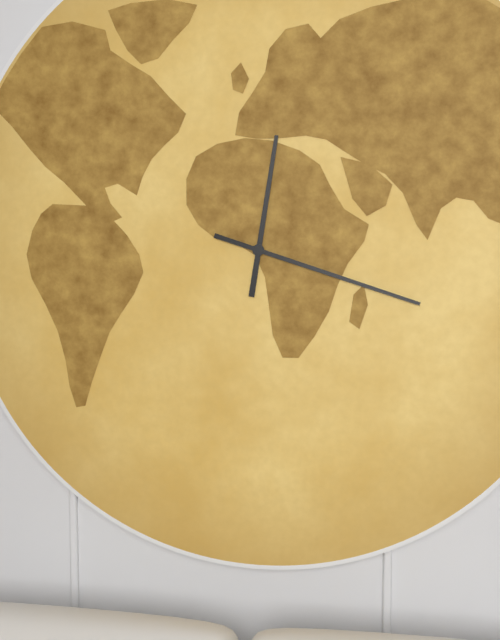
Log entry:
h=12 m=18
